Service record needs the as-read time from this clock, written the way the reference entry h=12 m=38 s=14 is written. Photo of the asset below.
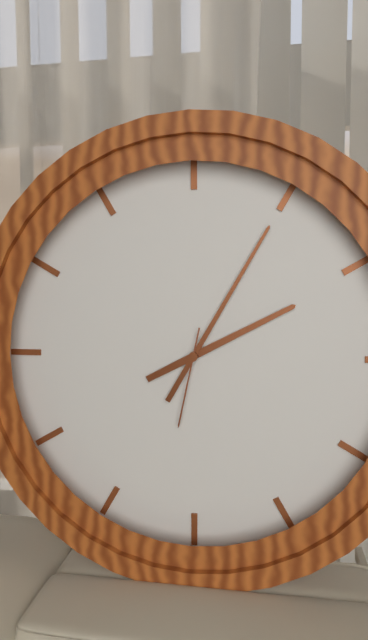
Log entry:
h=2 m=5 s=32
